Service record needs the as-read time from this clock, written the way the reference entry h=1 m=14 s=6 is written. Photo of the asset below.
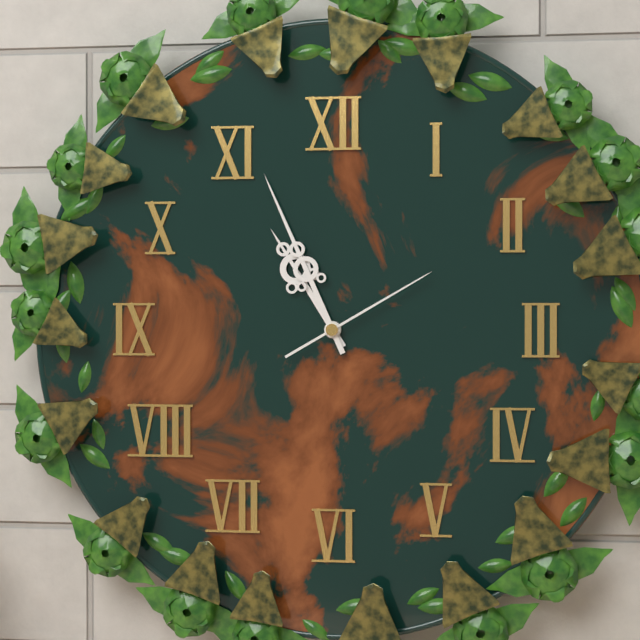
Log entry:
h=10 m=56 s=10
